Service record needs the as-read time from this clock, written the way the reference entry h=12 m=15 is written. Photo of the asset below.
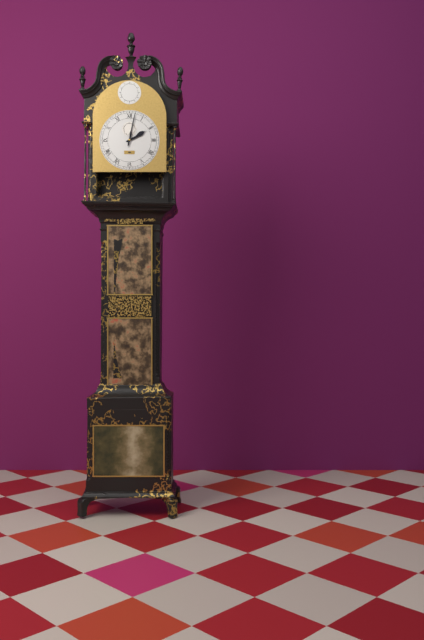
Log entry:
h=2 m=2
